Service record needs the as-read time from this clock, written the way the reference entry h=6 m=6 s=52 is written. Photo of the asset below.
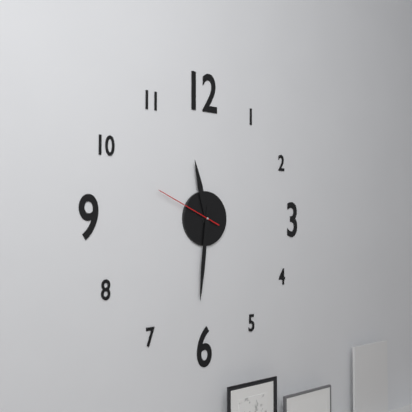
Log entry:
h=11 m=31 s=49
